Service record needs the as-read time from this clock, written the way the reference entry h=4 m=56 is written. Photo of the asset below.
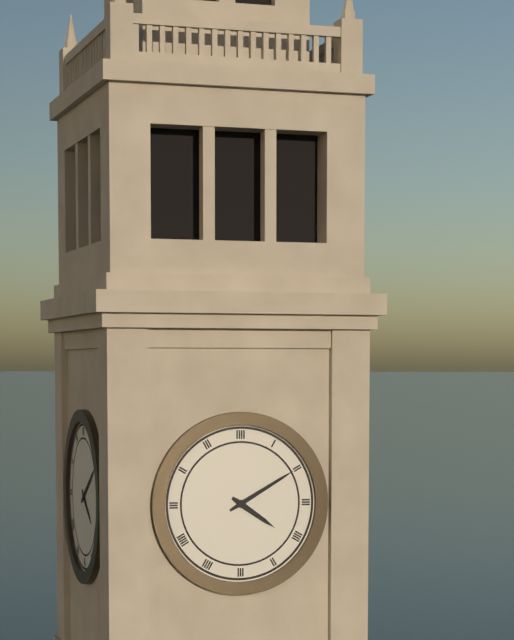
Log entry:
h=4 m=10
